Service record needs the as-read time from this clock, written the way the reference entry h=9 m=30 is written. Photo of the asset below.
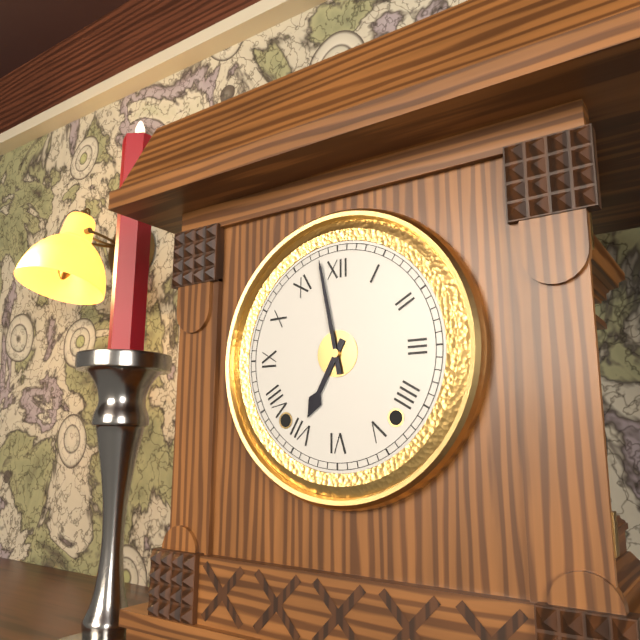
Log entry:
h=6 m=58
